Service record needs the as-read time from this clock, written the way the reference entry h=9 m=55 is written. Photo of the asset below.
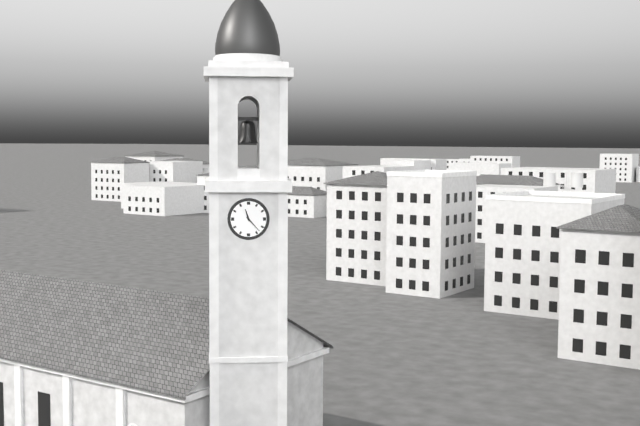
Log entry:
h=11 m=23
